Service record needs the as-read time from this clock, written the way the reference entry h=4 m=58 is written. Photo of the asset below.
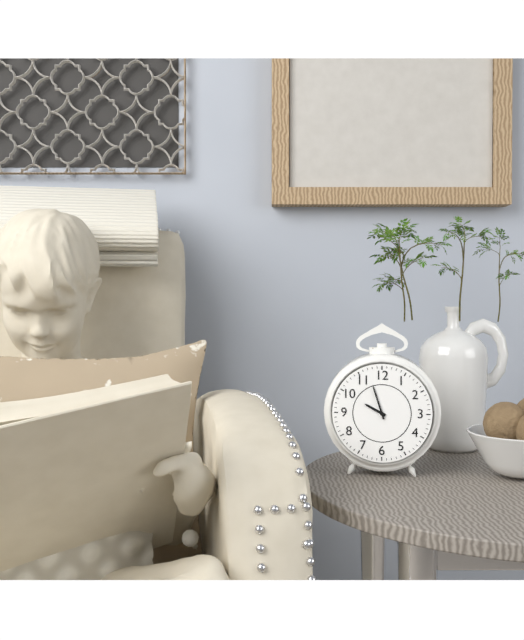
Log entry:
h=9 m=57
